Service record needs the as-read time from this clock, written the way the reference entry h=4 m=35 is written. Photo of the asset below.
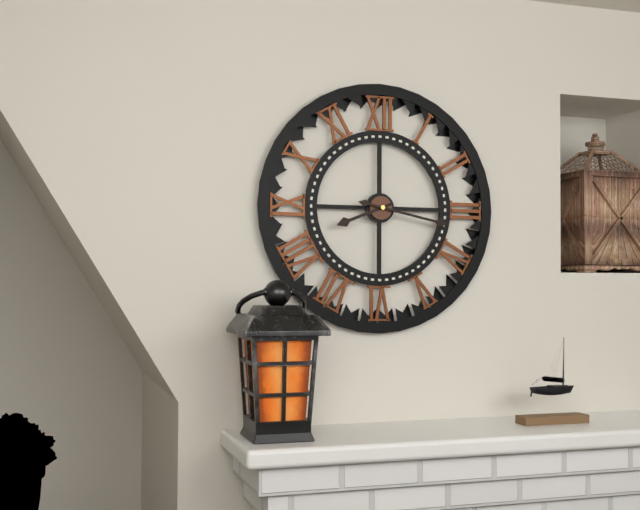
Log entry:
h=8 m=17
